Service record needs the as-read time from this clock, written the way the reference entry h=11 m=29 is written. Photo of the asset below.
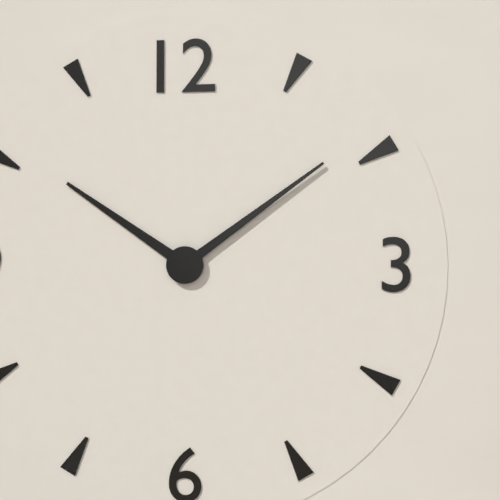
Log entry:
h=10 m=9
